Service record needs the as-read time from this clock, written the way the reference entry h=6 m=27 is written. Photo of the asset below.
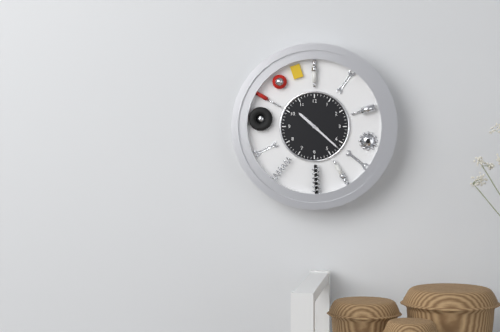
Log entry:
h=10 m=22
